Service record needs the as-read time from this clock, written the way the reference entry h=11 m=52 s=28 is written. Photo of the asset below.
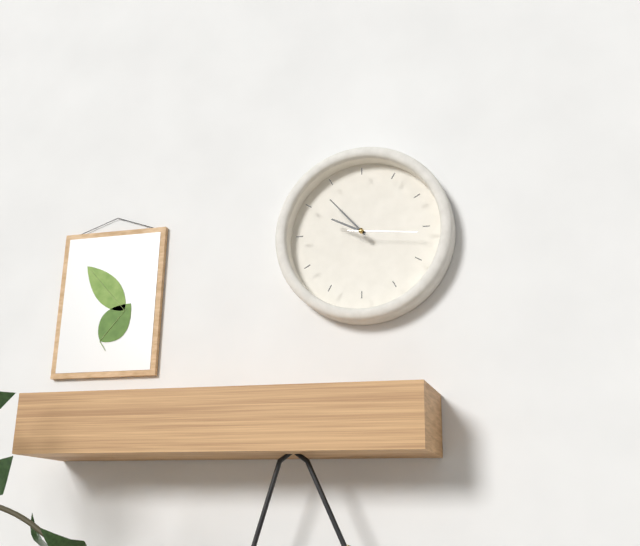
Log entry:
h=9 m=53 s=16
